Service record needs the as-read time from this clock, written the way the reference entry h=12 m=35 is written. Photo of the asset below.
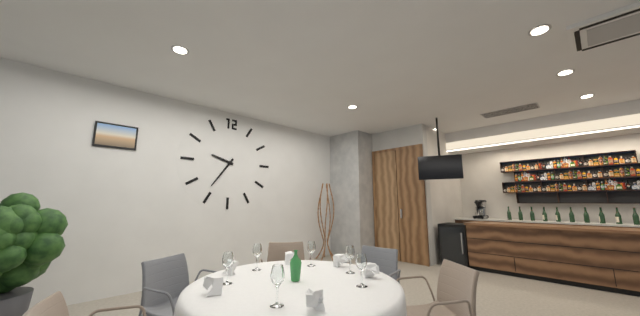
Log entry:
h=9 m=36
